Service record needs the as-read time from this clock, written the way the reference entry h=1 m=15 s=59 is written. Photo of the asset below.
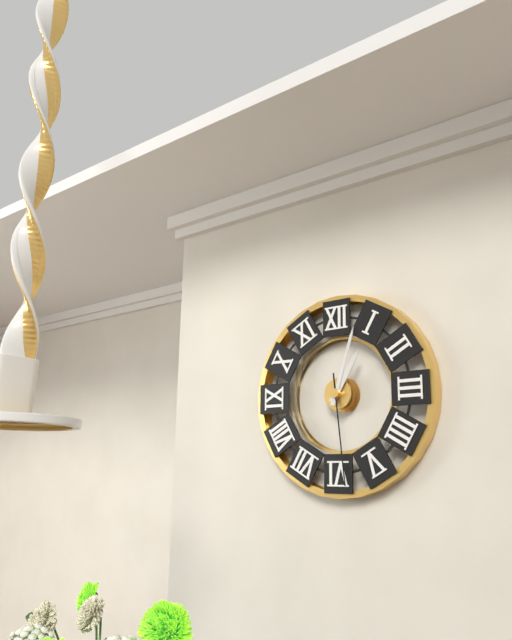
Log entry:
h=1 m=3 s=29
